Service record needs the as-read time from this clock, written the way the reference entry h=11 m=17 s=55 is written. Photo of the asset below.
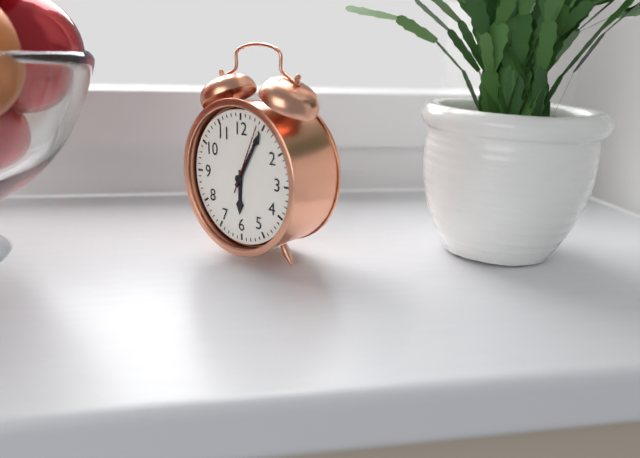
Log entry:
h=6 m=5 s=4
